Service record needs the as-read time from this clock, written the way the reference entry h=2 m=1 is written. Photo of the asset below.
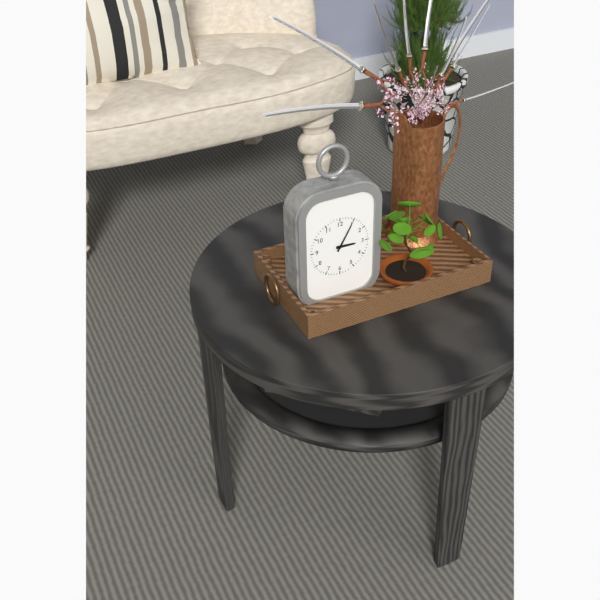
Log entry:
h=3 m=5
